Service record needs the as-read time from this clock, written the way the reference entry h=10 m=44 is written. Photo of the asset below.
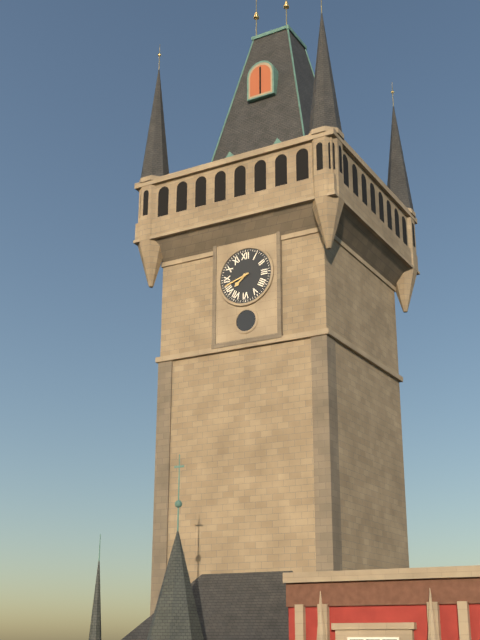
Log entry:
h=7 m=42
